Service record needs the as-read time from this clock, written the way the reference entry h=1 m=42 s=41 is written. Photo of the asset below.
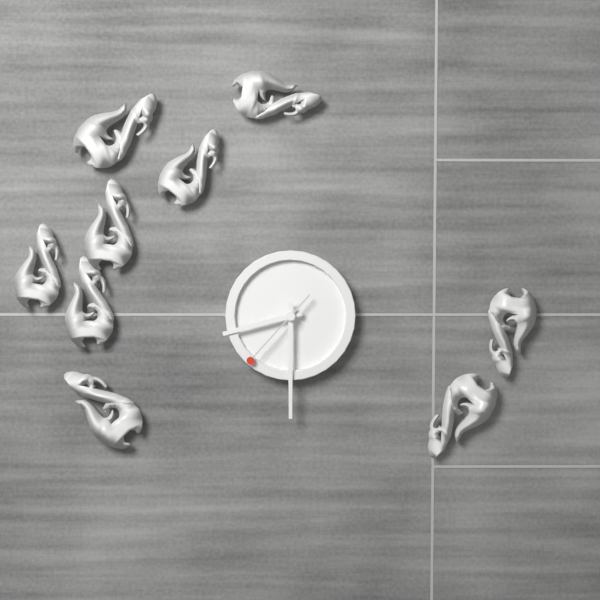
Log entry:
h=8 m=30 s=37
